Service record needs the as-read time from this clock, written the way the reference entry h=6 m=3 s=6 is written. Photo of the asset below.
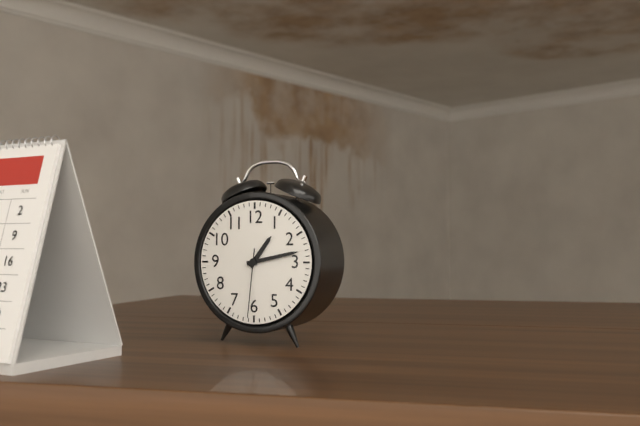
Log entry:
h=1 m=13 s=31
